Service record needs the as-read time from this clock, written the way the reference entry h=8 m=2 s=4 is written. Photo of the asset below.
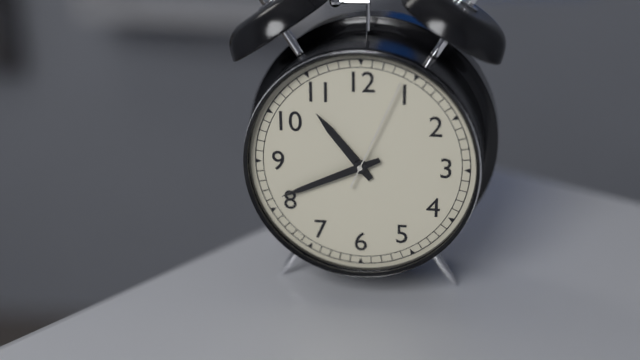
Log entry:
h=10 m=41 s=4
